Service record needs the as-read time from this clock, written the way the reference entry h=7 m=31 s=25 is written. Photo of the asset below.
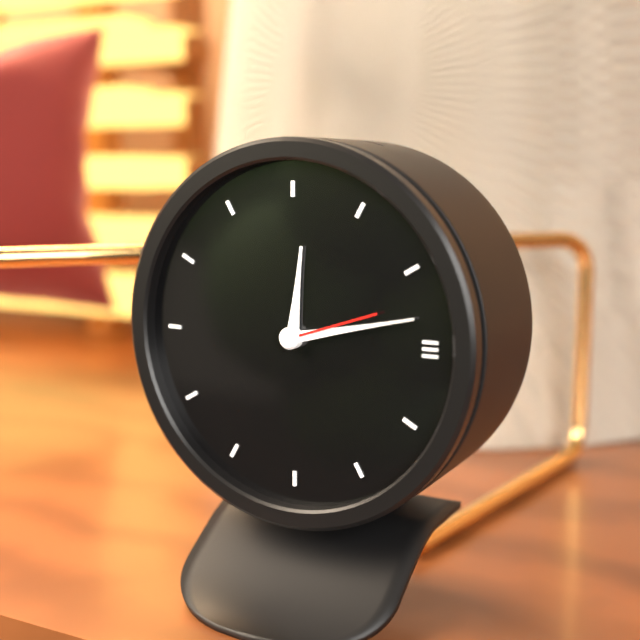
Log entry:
h=12 m=13 s=12
